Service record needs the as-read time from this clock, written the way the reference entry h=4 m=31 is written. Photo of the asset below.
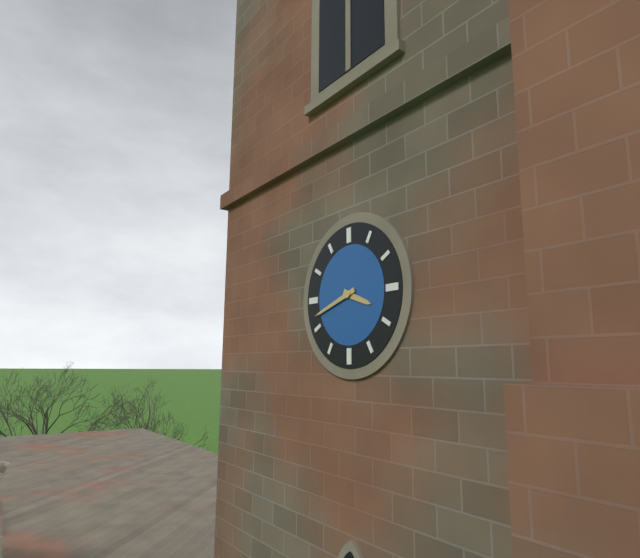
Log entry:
h=3 m=42
